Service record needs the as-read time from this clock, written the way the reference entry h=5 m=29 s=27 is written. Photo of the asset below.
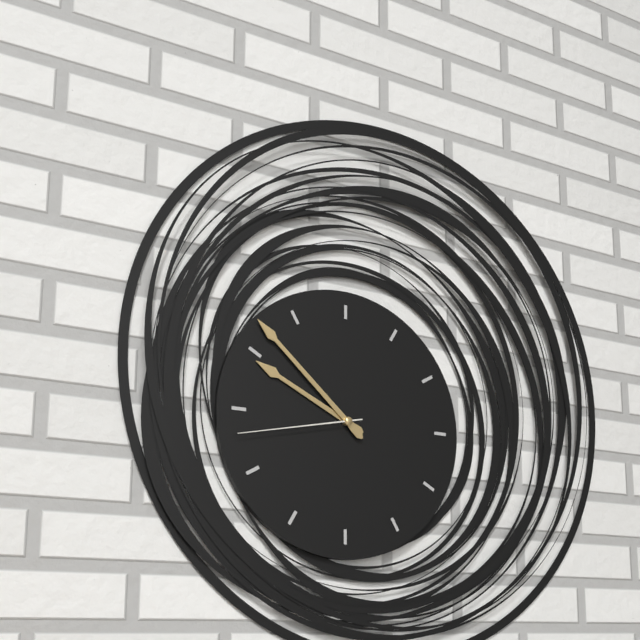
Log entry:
h=9 m=52 s=43
